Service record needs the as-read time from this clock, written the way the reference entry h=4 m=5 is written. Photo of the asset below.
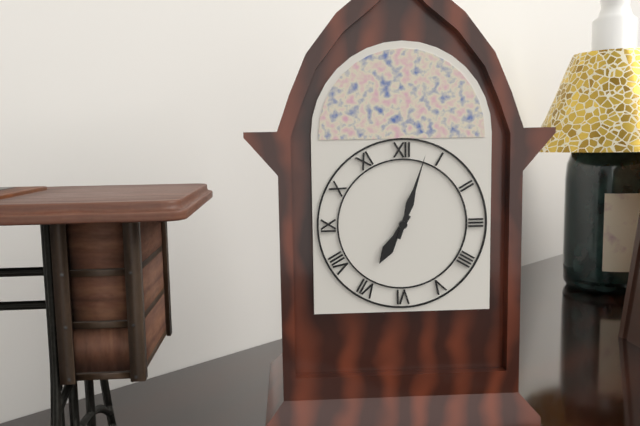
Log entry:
h=7 m=3
